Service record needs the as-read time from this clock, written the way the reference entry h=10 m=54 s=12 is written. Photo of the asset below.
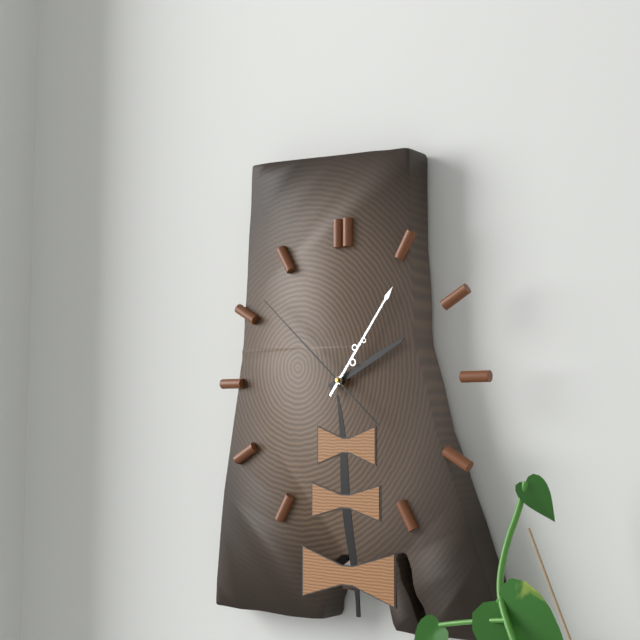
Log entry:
h=2 m=6 s=52
